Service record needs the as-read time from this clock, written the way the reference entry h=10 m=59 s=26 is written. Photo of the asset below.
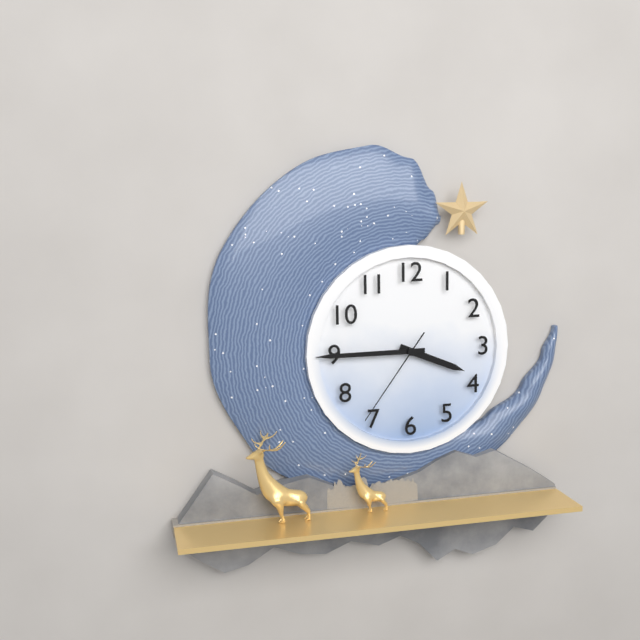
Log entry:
h=3 m=45 s=36
